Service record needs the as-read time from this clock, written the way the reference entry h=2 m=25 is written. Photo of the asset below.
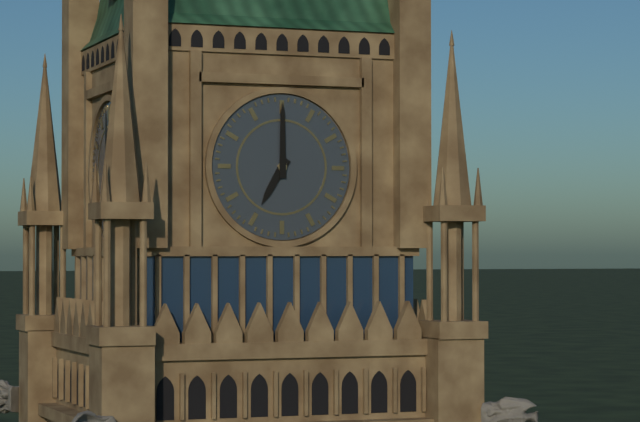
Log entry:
h=7 m=0
